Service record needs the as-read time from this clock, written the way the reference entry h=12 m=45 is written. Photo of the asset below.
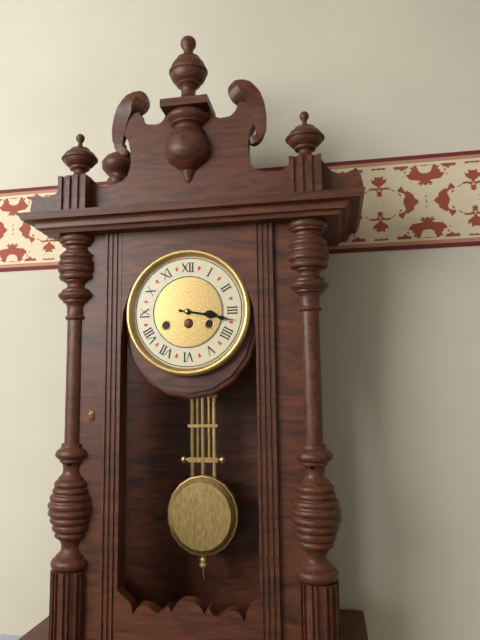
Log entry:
h=3 m=17
